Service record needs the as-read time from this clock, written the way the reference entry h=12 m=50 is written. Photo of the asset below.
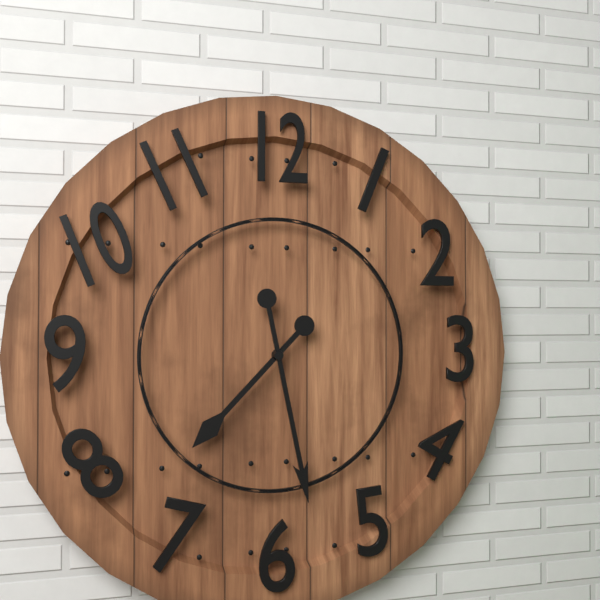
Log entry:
h=7 m=28
